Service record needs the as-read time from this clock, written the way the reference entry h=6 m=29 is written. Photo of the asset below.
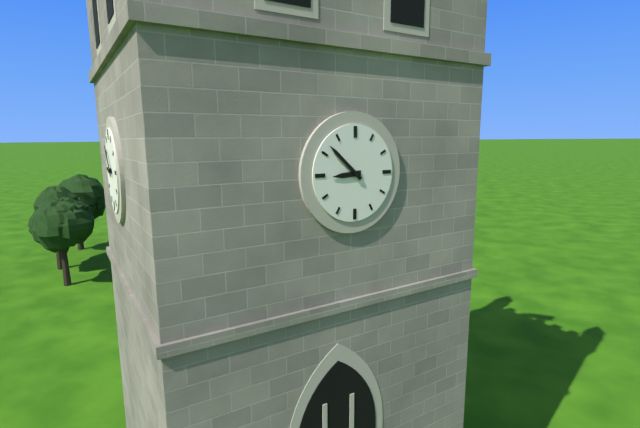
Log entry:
h=8 m=52
